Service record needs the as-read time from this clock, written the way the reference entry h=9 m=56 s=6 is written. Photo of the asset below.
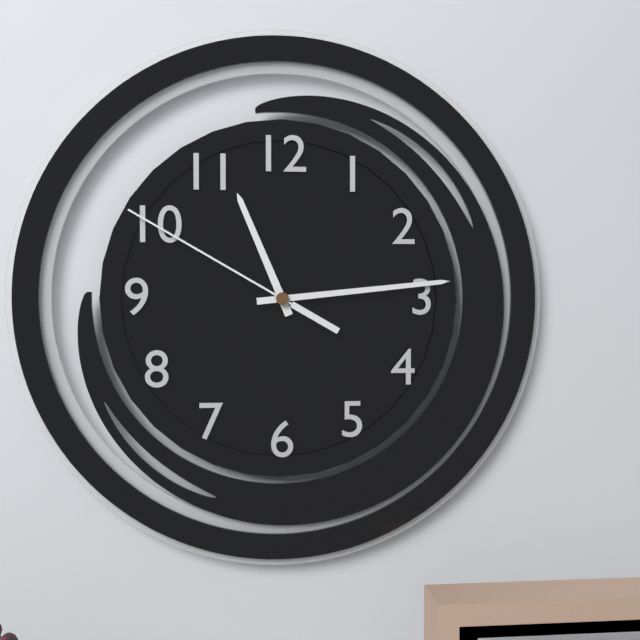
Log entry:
h=11 m=14 s=50
